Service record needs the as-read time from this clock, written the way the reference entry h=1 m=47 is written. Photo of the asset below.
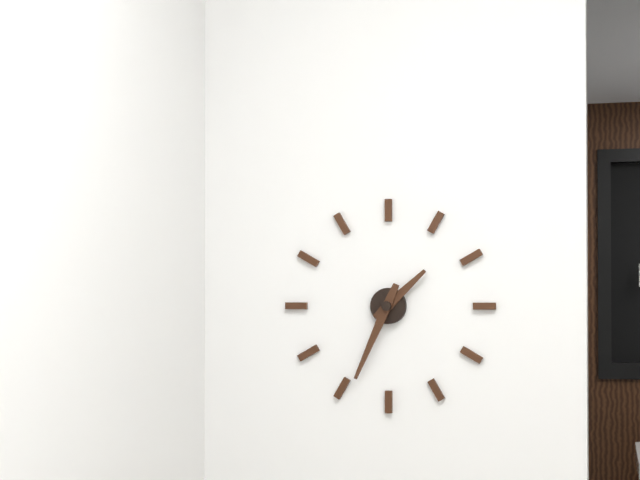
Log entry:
h=1 m=34
